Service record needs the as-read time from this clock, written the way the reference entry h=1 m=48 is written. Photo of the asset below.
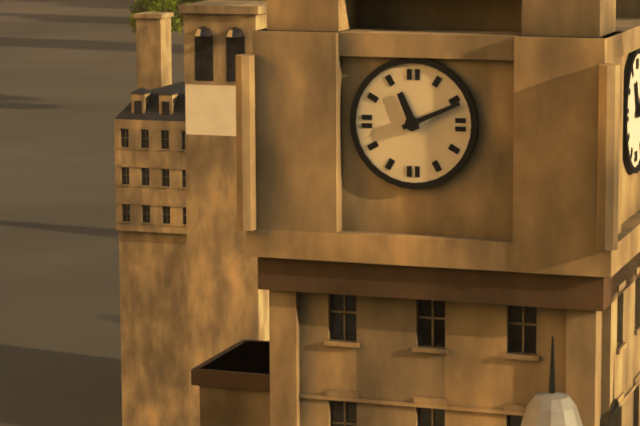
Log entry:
h=11 m=11
